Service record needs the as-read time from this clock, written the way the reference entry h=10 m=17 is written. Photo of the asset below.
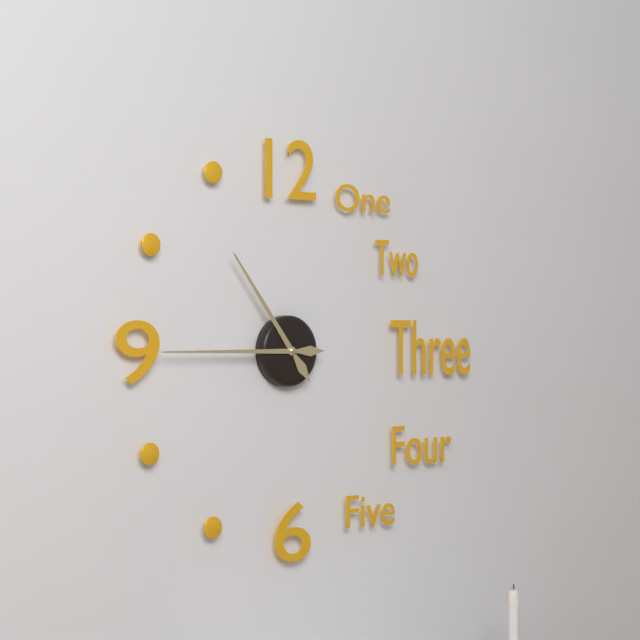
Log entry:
h=10 m=45
